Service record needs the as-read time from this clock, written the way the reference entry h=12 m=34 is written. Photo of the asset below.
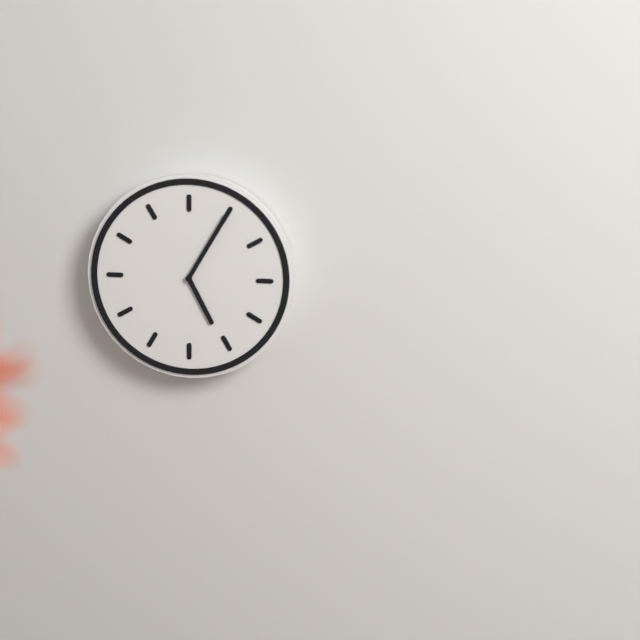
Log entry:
h=5 m=5
